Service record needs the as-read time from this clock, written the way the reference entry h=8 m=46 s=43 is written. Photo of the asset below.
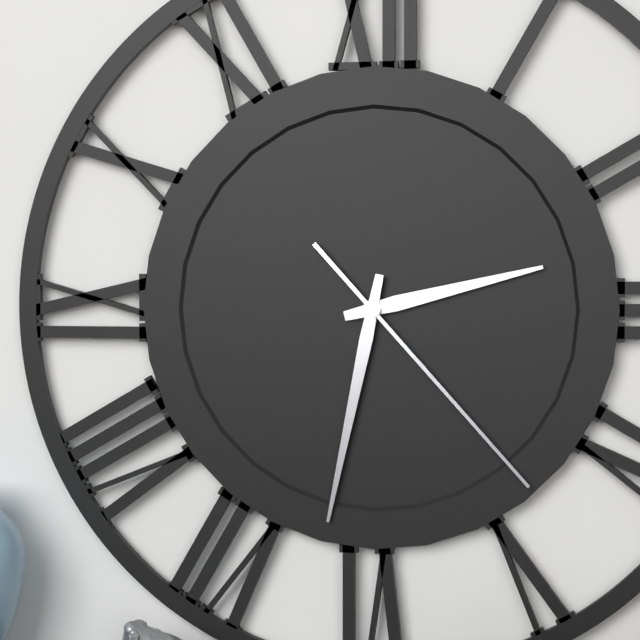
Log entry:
h=2 m=32 s=23
